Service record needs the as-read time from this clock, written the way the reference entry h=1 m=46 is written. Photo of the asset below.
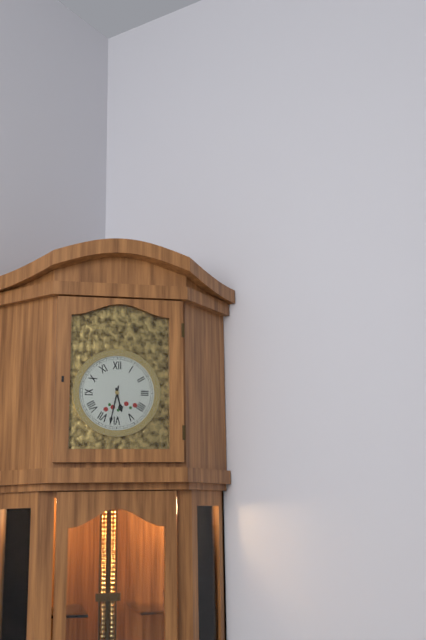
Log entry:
h=5 m=32
